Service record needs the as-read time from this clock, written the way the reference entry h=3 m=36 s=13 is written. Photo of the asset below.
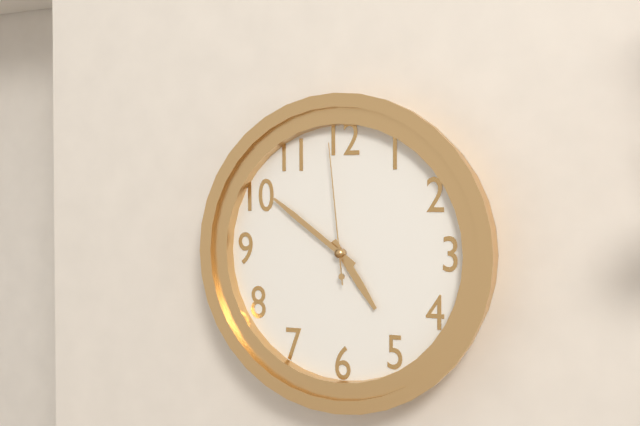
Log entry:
h=4 m=51 s=59
